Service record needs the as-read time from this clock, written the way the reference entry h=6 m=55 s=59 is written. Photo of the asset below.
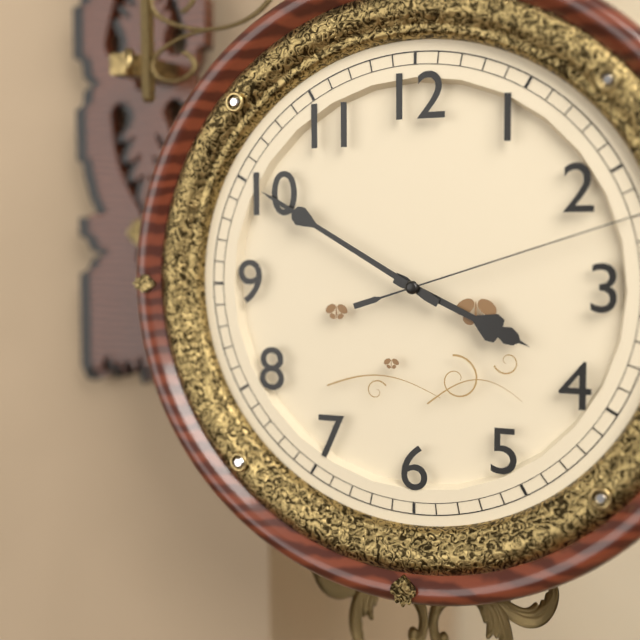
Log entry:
h=3 m=50 s=12
